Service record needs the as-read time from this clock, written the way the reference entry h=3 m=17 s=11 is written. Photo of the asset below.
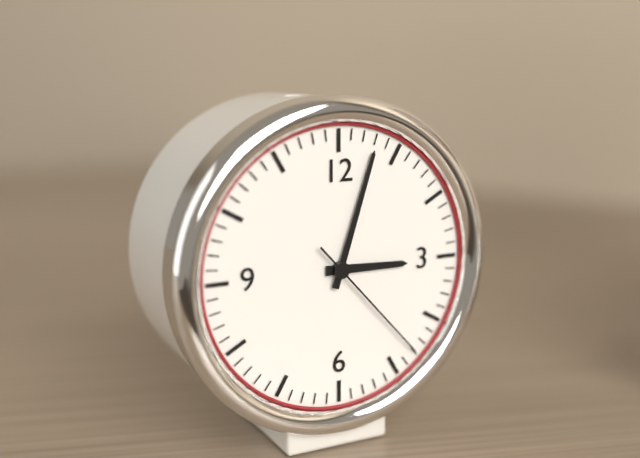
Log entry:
h=3 m=3 s=23
